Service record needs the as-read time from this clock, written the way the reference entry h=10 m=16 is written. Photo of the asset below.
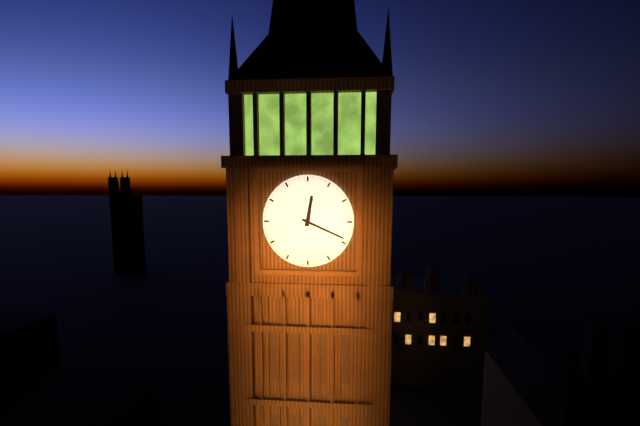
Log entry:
h=12 m=19
